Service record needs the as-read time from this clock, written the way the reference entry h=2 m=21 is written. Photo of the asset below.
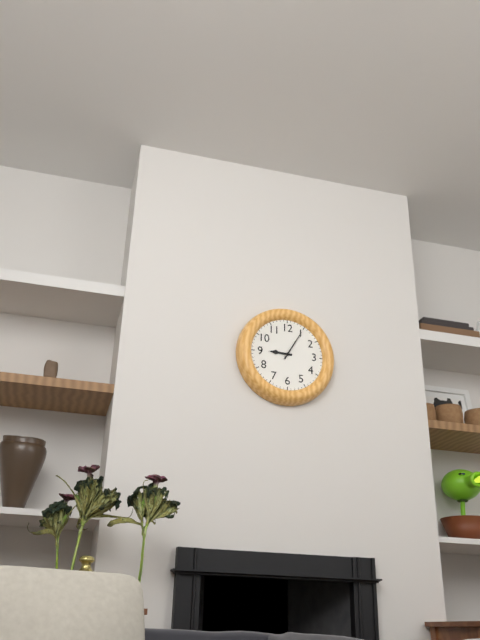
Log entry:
h=9 m=5
